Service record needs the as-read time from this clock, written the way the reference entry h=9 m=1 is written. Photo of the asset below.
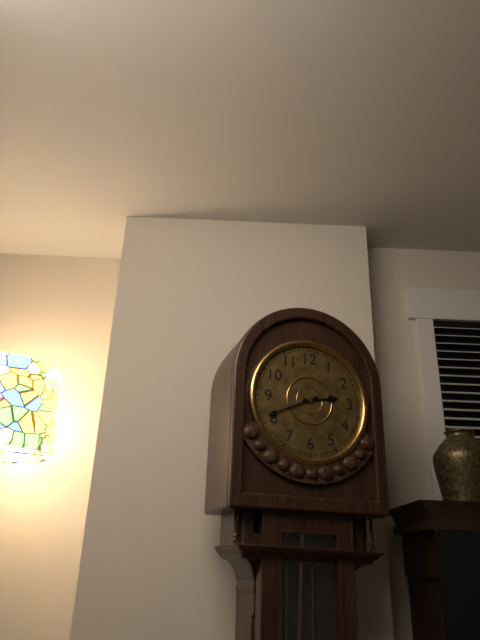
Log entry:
h=2 m=41
